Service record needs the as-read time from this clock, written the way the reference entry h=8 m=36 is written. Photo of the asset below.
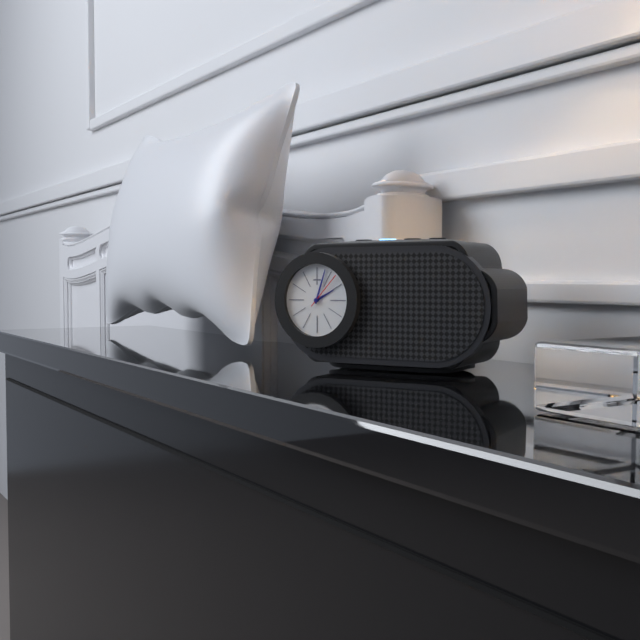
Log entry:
h=2 m=3
